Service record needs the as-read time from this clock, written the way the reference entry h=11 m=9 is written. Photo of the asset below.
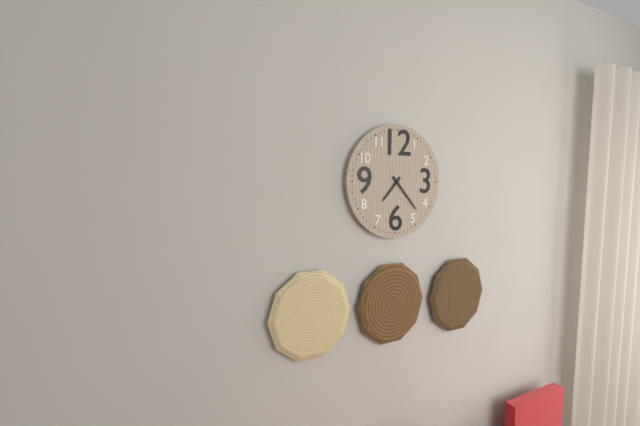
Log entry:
h=7 m=23
